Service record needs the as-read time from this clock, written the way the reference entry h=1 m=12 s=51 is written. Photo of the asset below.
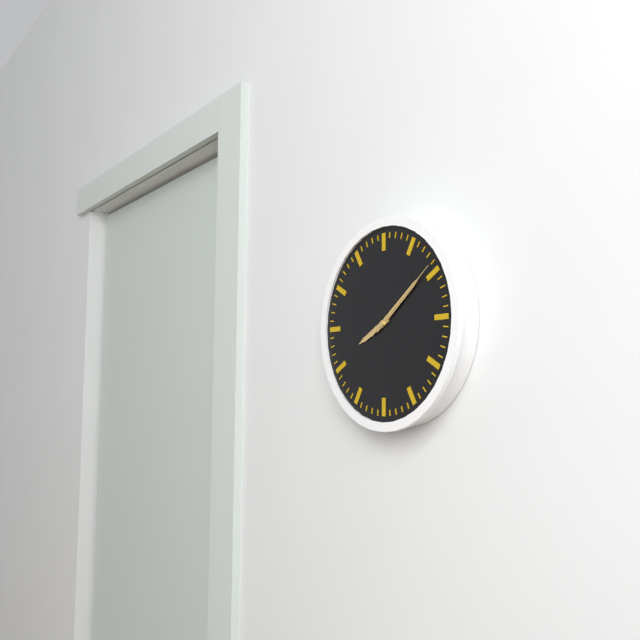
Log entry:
h=8 m=9 s=9
